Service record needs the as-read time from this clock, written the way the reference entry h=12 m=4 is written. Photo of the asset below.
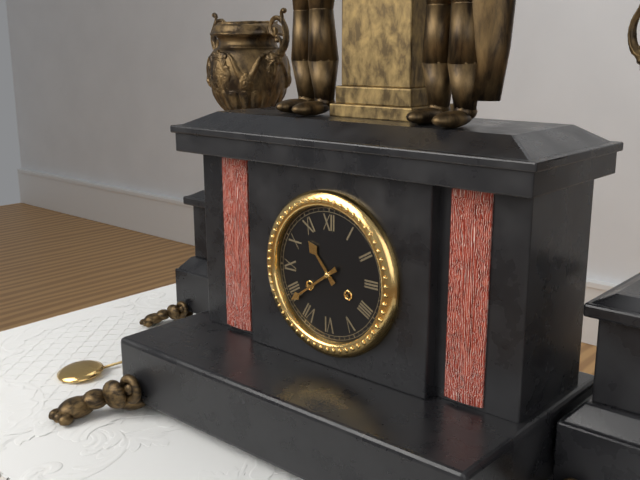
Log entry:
h=10 m=39
